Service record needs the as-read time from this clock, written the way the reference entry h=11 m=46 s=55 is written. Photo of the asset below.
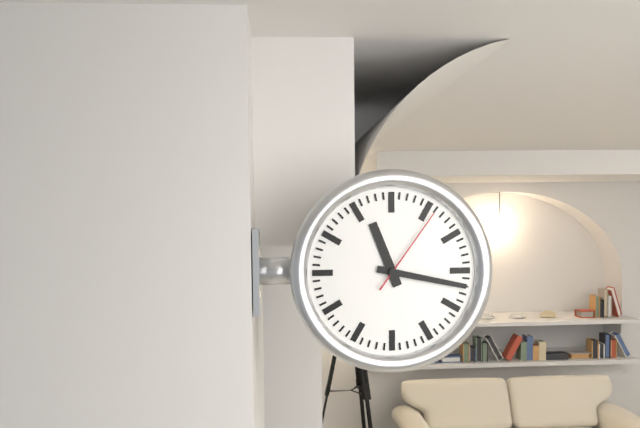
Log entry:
h=11 m=17 s=6
